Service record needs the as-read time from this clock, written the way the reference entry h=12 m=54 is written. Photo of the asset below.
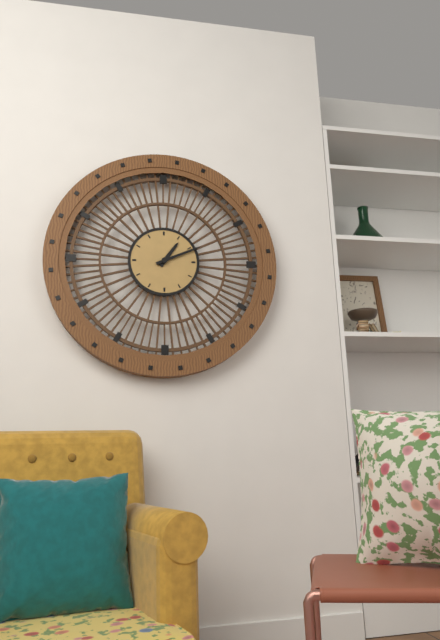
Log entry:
h=1 m=11
